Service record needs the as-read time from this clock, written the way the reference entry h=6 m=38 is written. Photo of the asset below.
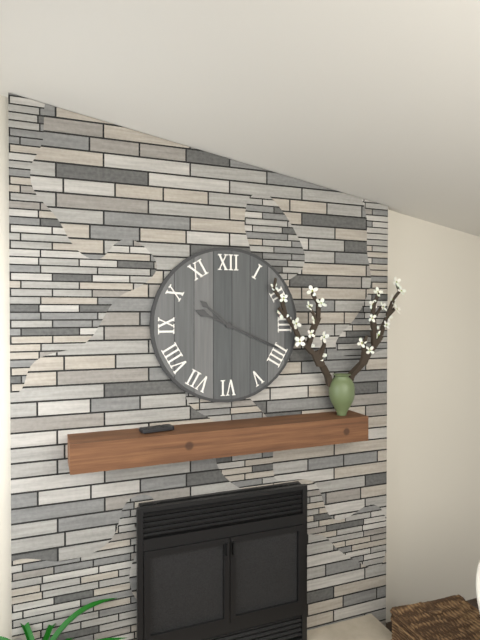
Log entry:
h=10 m=19
